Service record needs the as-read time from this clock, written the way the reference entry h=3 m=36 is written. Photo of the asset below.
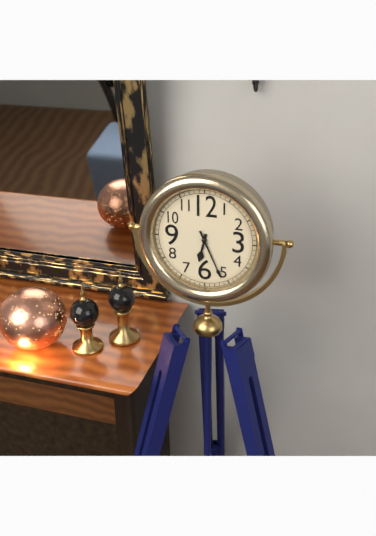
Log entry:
h=6 m=26
